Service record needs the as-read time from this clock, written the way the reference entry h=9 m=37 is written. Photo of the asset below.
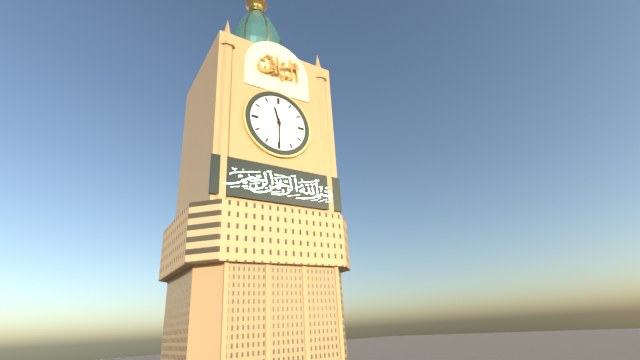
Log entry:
h=11 m=30
